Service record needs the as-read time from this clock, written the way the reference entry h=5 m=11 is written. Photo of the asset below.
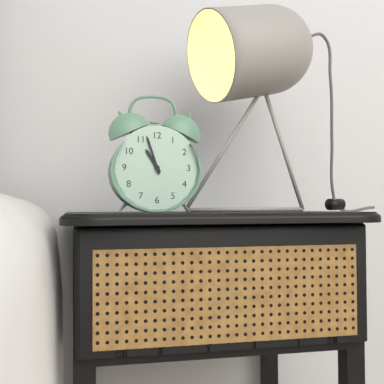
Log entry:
h=10 m=57
